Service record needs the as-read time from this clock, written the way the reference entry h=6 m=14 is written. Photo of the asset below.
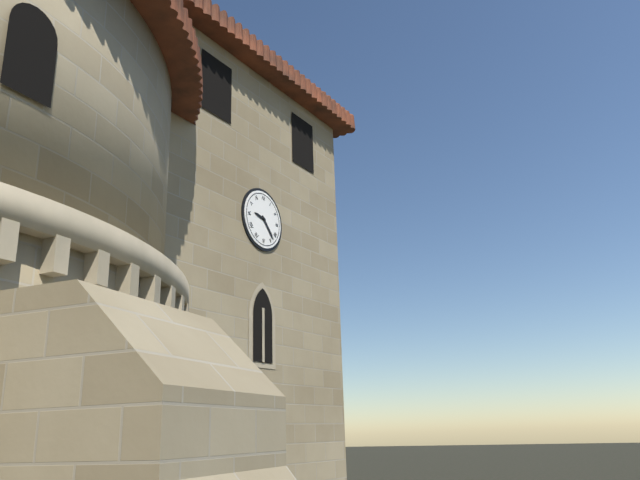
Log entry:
h=9 m=23
